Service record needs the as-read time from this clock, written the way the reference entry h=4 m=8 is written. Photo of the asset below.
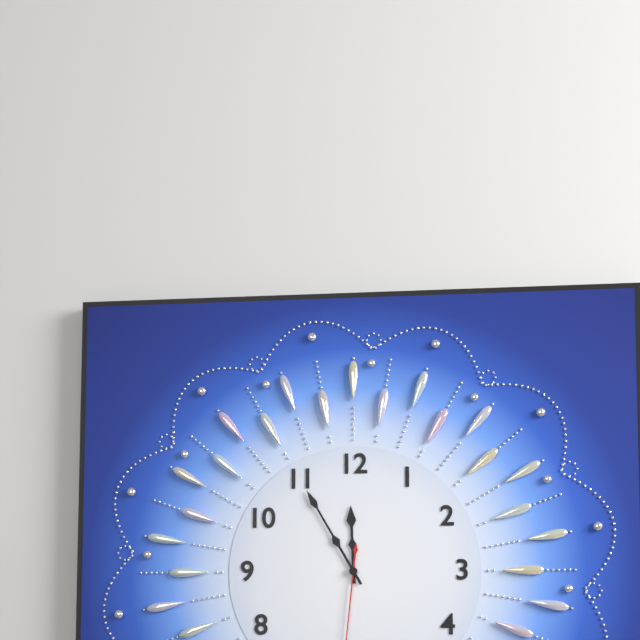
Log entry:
h=11 m=55
